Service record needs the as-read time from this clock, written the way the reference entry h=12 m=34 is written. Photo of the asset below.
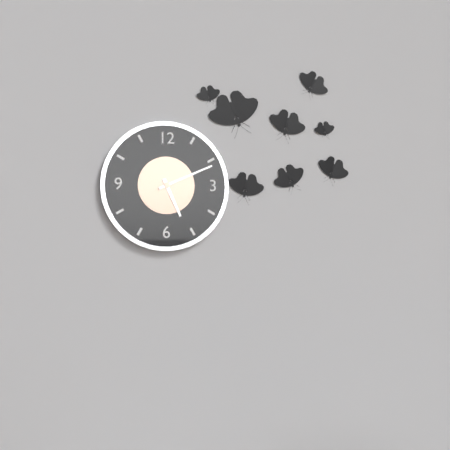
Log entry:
h=5 m=11
